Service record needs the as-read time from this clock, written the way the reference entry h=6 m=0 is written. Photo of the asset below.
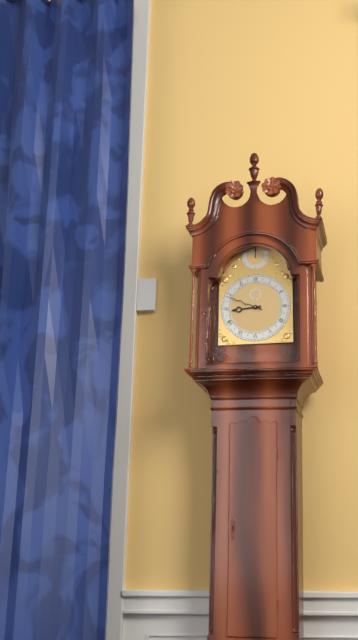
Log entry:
h=8 m=49
